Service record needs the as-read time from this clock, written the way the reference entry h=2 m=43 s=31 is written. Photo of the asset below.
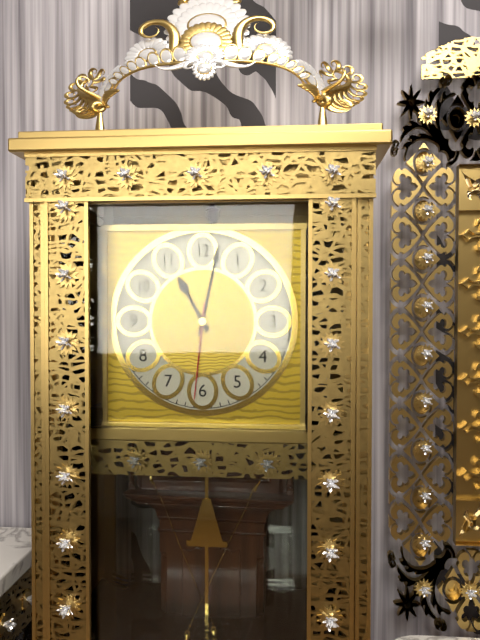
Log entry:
h=11 m=2 s=31
